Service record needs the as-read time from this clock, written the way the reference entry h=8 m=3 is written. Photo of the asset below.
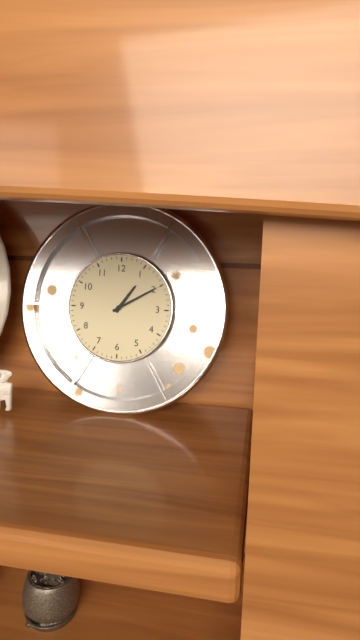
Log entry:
h=1 m=10
